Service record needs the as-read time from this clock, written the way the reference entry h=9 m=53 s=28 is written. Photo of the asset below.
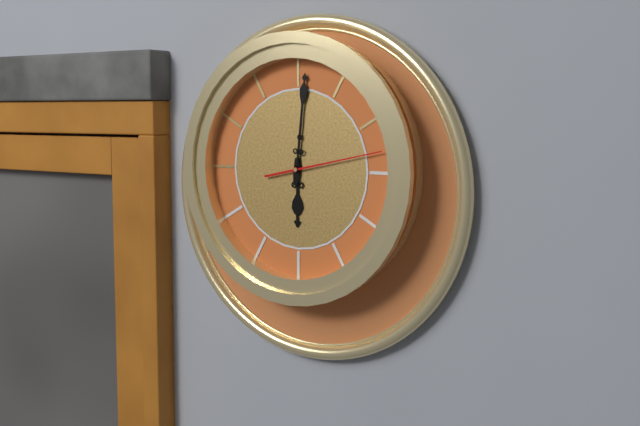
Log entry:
h=6 m=1 s=13
